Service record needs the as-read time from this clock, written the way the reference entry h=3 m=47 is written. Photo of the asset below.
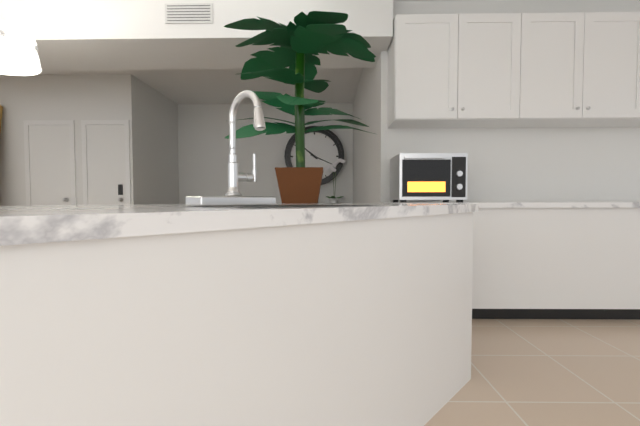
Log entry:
h=10 m=19
